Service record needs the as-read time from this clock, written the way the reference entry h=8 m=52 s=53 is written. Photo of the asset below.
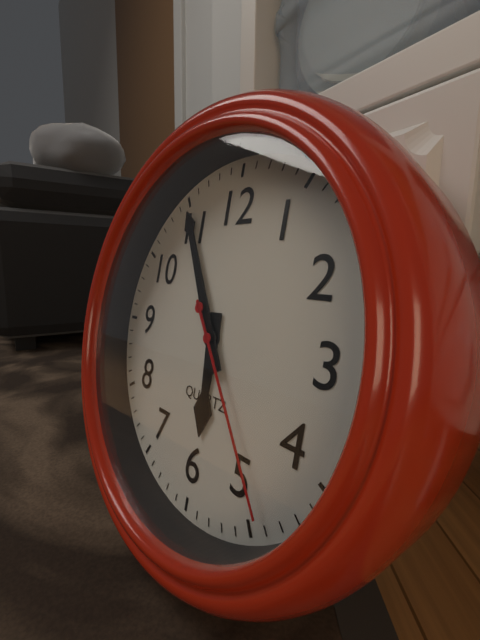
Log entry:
h=5 m=55 s=24
